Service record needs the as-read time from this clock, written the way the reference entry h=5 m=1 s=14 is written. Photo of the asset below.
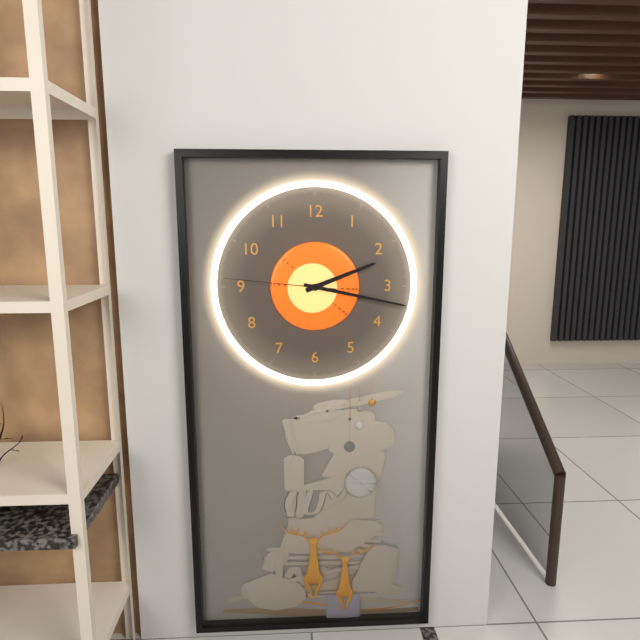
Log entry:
h=2 m=17 s=46
